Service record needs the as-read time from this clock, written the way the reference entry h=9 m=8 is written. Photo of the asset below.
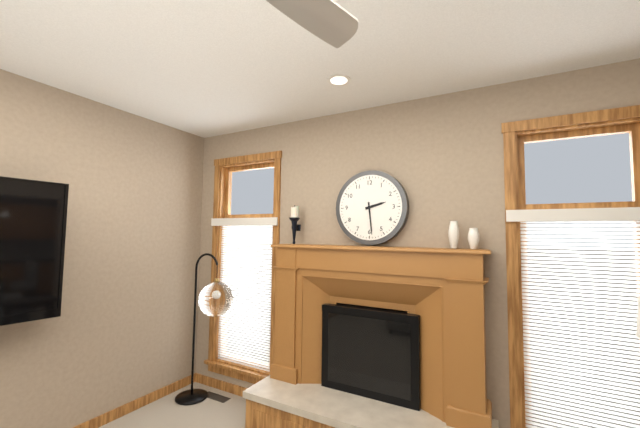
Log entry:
h=2 m=29
